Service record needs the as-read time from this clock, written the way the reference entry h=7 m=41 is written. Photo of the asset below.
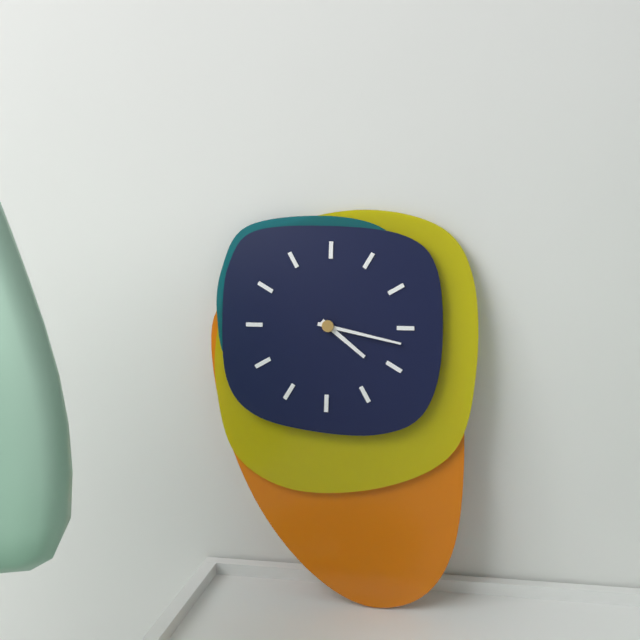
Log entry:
h=4 m=17
